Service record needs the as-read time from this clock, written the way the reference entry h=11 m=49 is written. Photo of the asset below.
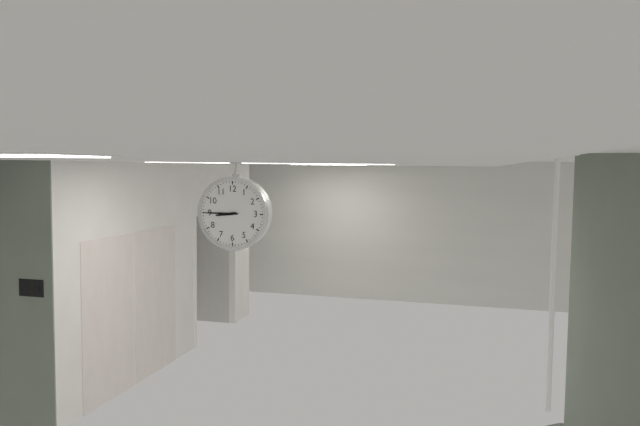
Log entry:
h=8 m=45
